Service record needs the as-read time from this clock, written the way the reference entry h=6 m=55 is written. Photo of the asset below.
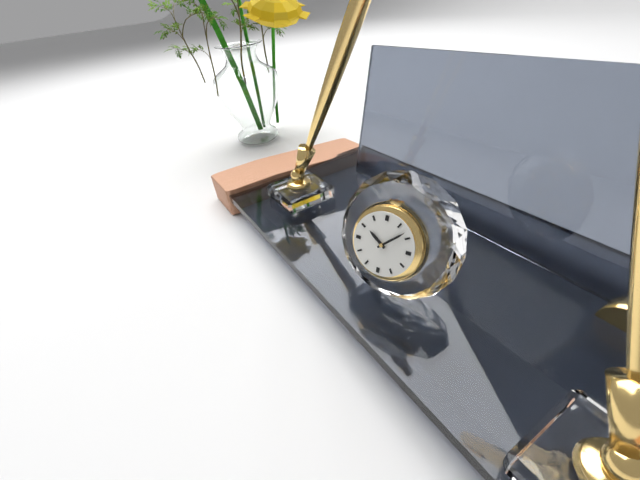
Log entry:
h=10 m=8
